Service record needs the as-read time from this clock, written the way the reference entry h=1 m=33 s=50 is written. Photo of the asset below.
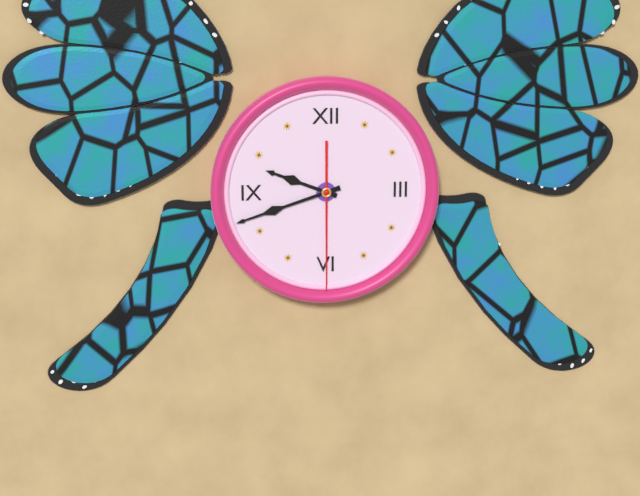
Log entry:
h=9 m=42 s=30
